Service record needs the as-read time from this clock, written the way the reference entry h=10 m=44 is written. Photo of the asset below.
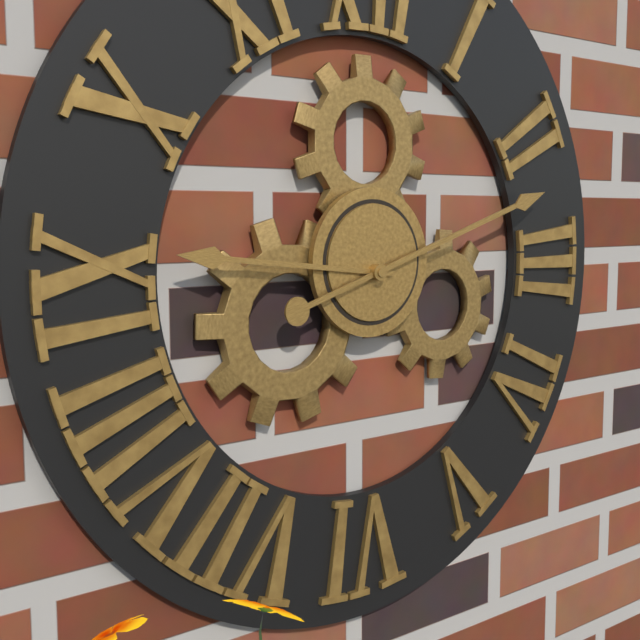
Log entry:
h=9 m=12
